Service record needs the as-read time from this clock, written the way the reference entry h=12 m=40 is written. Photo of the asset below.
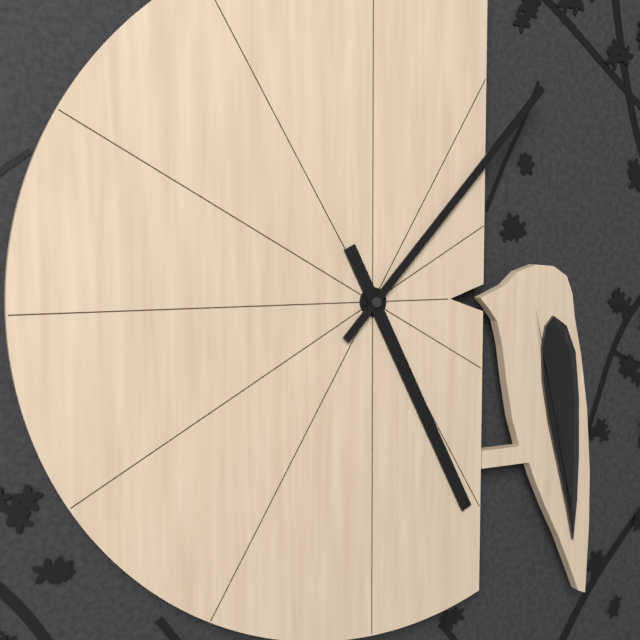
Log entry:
h=5 m=7
